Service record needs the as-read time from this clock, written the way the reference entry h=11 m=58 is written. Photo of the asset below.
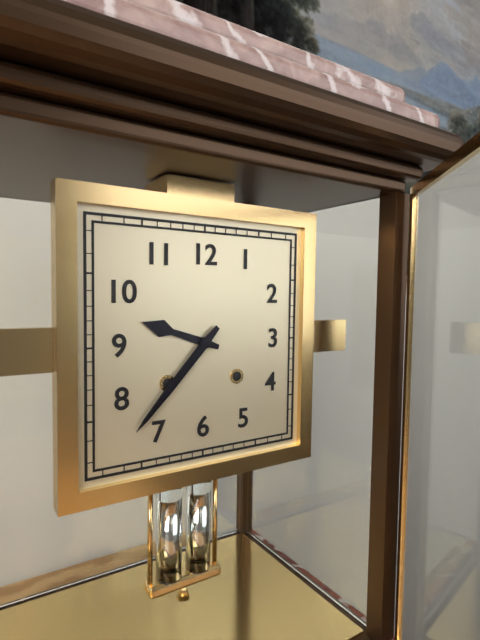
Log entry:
h=9 m=37
